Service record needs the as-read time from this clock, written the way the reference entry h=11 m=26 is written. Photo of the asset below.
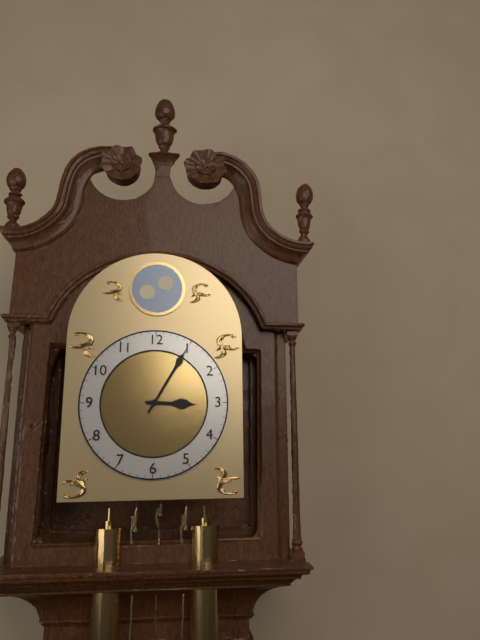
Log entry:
h=3 m=5
